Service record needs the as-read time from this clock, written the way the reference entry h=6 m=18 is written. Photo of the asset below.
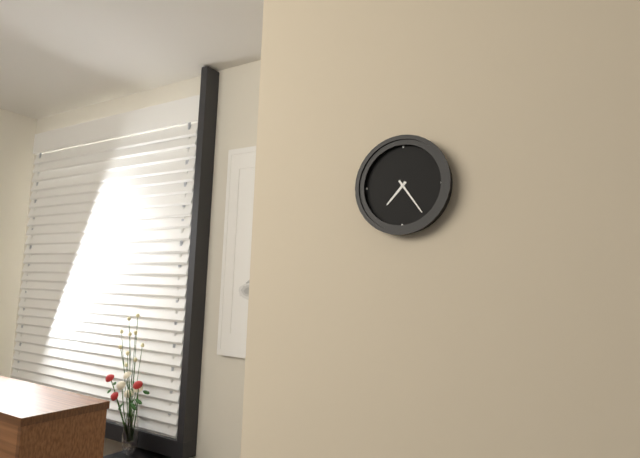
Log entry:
h=7 m=24
